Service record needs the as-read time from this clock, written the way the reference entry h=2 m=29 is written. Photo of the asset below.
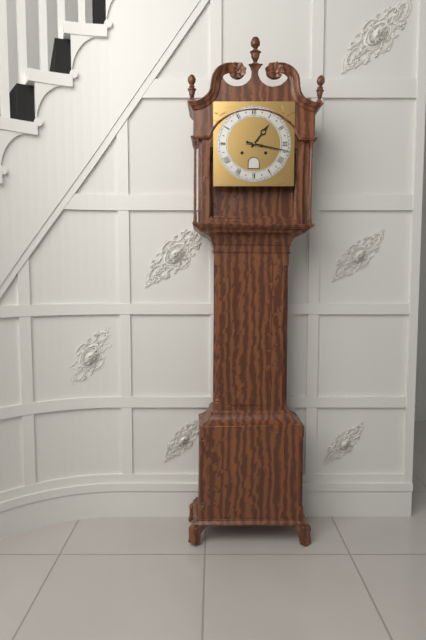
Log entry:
h=1 m=17
